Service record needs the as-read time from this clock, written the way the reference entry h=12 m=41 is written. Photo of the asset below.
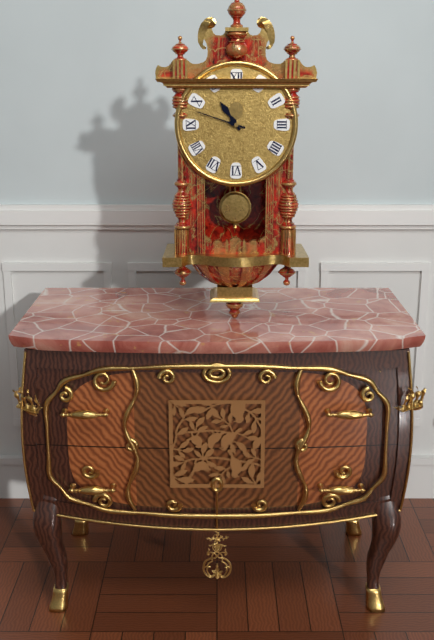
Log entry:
h=10 m=48
